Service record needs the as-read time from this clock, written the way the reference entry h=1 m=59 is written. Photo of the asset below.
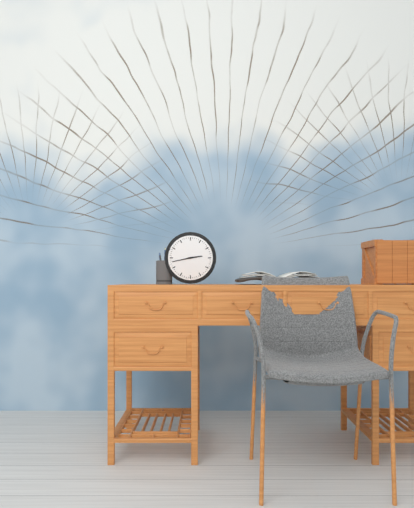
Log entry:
h=2 m=43
